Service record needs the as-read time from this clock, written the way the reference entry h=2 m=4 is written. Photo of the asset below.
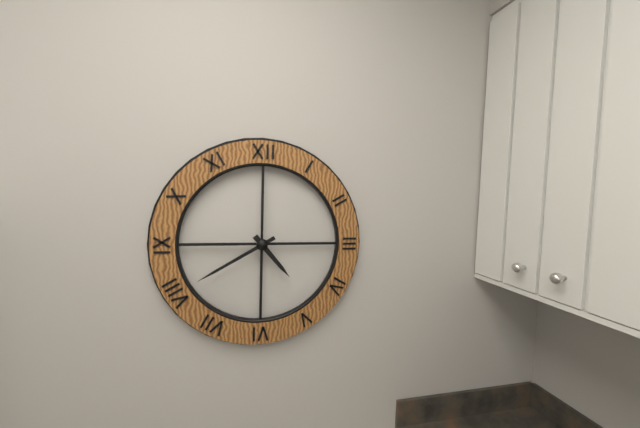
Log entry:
h=4 m=40
